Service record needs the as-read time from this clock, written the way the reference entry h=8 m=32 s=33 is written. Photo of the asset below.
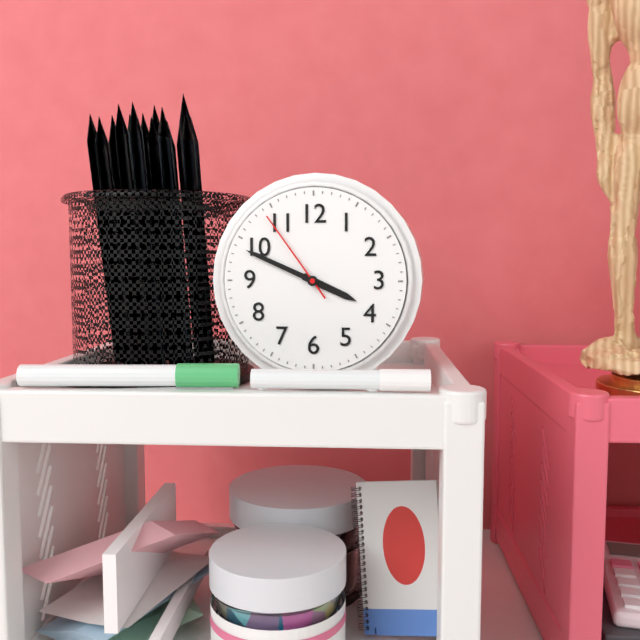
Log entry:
h=3 m=49 s=54
